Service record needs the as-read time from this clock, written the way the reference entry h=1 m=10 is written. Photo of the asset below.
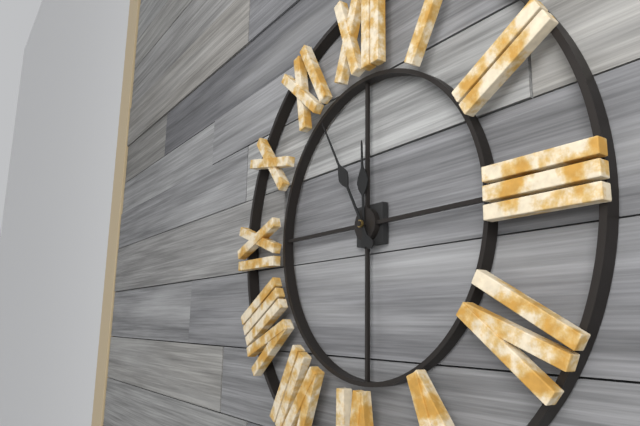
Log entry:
h=11 m=55
